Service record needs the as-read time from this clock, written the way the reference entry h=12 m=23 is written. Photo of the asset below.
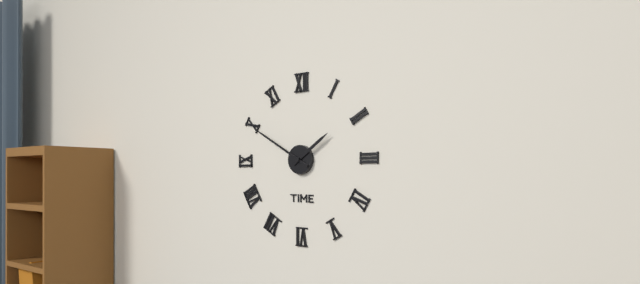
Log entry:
h=1 m=50
